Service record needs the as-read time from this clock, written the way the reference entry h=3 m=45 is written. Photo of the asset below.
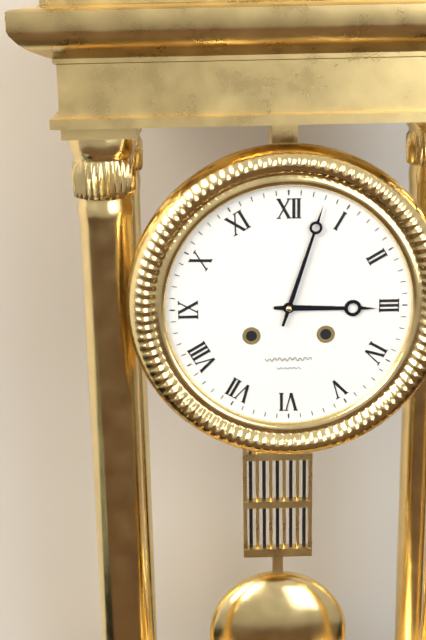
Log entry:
h=3 m=3
